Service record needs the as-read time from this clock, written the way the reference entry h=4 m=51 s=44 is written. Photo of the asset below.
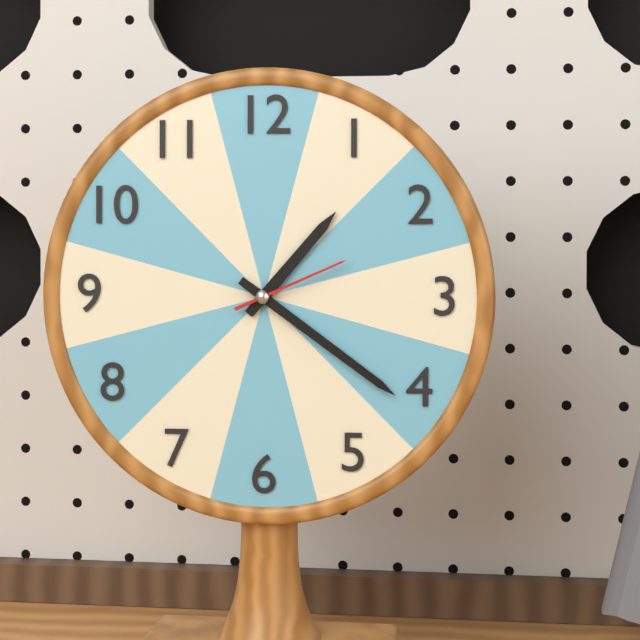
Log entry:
h=1 m=21 s=11
